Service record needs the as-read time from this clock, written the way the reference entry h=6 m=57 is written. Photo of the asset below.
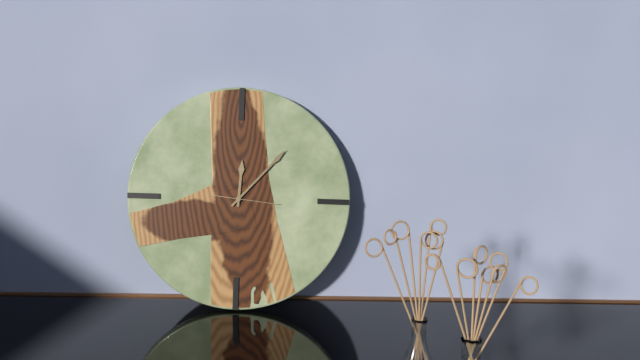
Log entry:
h=12 m=7
